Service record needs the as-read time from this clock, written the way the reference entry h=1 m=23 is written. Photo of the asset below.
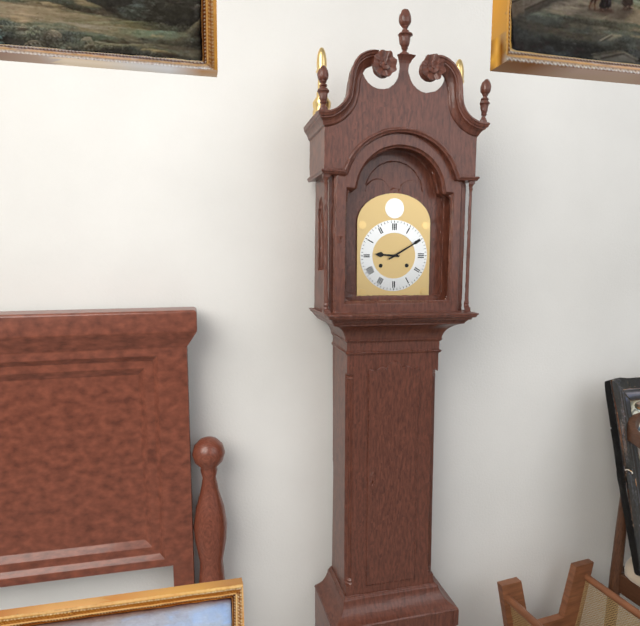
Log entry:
h=9 m=10
